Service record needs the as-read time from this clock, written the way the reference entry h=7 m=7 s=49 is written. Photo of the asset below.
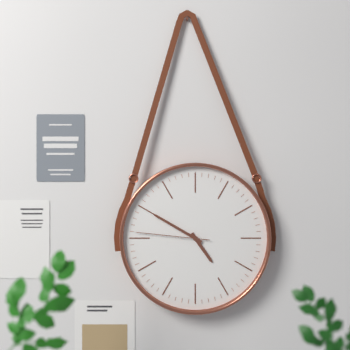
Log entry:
h=4 m=50 s=46
